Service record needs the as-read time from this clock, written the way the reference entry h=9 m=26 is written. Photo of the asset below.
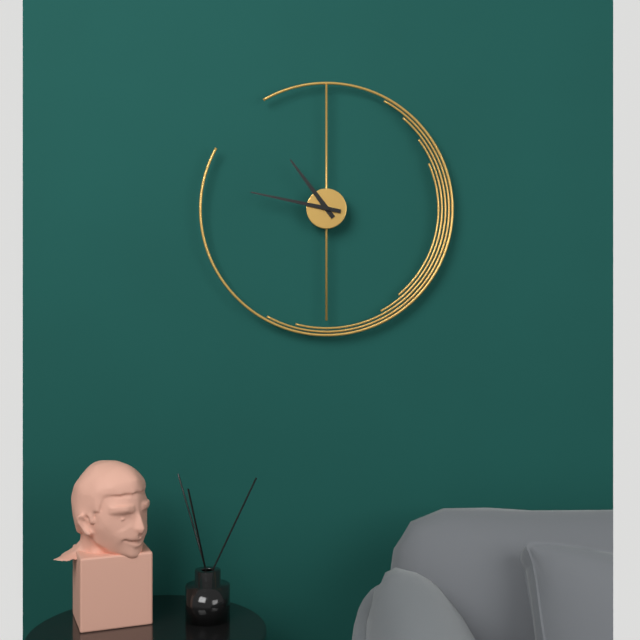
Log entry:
h=10 m=47
